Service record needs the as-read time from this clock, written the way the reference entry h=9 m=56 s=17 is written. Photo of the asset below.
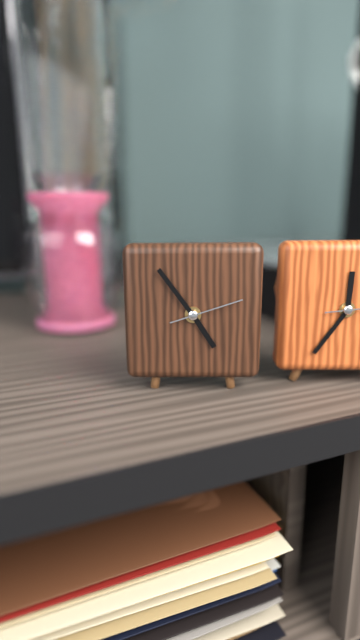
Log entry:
h=4 m=54 s=12
